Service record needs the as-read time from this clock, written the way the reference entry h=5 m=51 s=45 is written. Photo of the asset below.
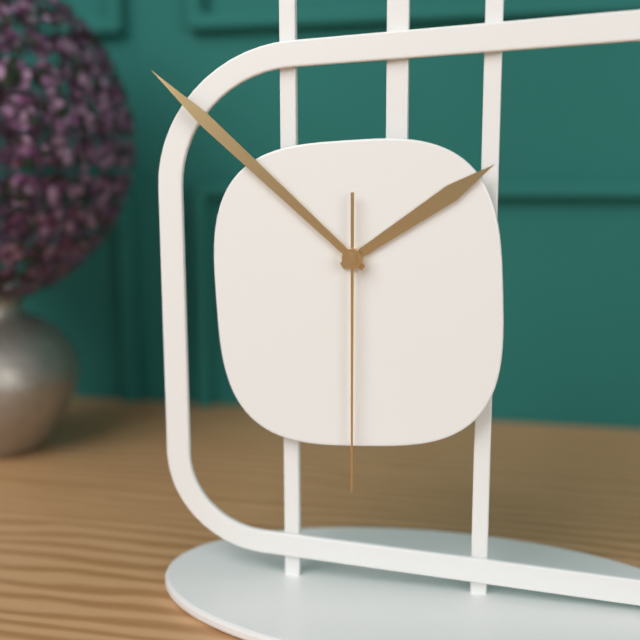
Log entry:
h=1 m=52 s=30
